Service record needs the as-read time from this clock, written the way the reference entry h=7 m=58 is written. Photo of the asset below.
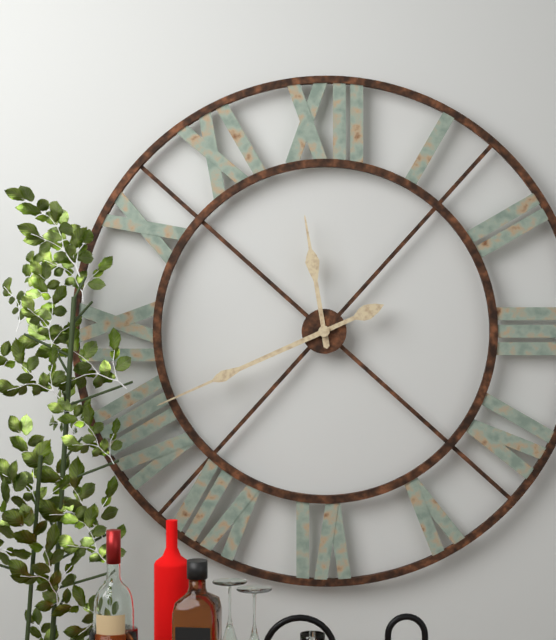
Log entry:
h=11 m=41
